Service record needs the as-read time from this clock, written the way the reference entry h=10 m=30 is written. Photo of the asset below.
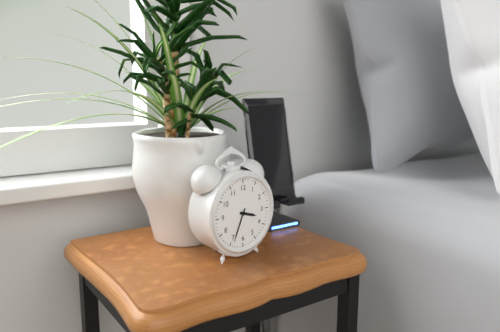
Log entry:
h=3 m=34
